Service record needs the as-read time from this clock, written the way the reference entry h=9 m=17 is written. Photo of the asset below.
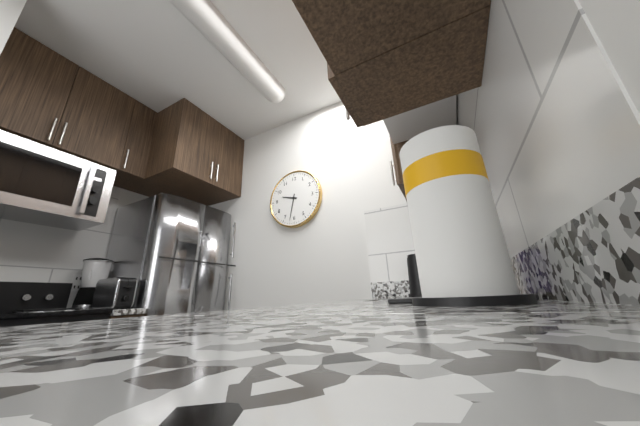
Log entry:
h=9 m=32
